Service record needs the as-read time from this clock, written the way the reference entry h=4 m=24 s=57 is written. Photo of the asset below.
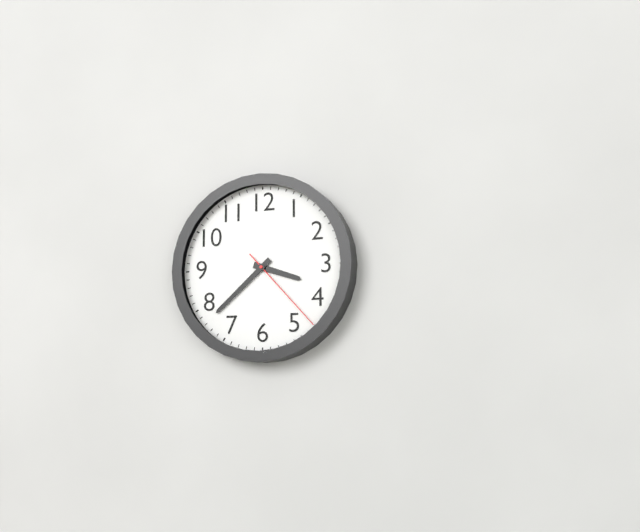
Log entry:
h=3 m=38 s=23
